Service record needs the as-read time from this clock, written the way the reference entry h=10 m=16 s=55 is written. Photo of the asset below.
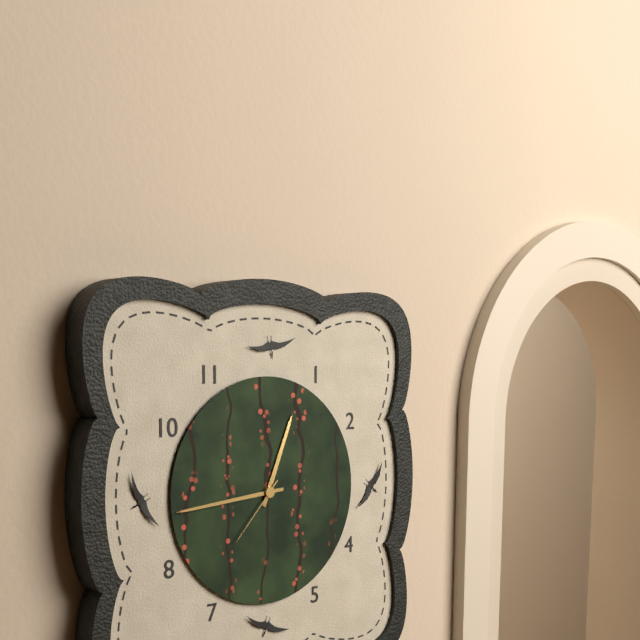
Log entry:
h=12 m=44 s=37
